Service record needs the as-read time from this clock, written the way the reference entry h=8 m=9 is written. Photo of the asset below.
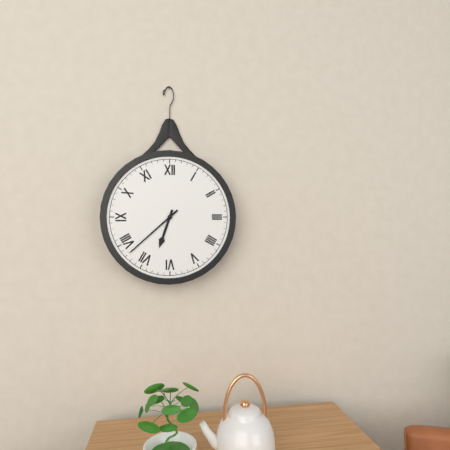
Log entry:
h=6 m=38
